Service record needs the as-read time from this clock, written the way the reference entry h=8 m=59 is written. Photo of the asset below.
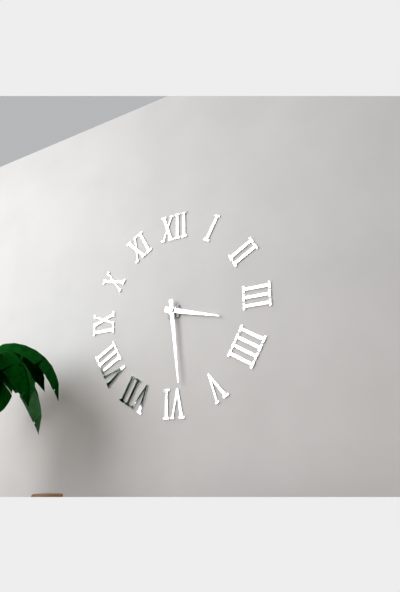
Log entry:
h=3 m=29
